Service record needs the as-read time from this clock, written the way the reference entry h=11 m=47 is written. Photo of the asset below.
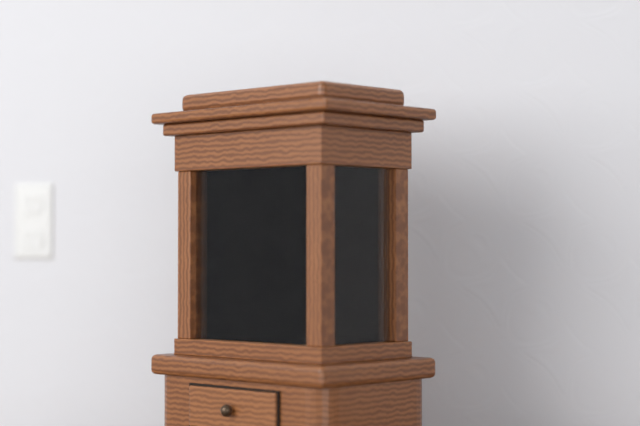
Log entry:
h=5 m=58
